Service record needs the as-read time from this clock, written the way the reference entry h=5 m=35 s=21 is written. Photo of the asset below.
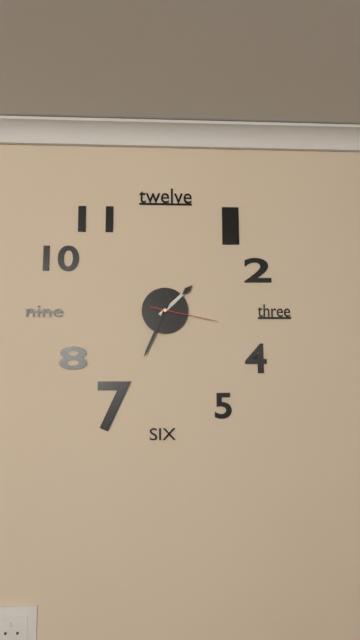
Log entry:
h=1 m=34 s=17
